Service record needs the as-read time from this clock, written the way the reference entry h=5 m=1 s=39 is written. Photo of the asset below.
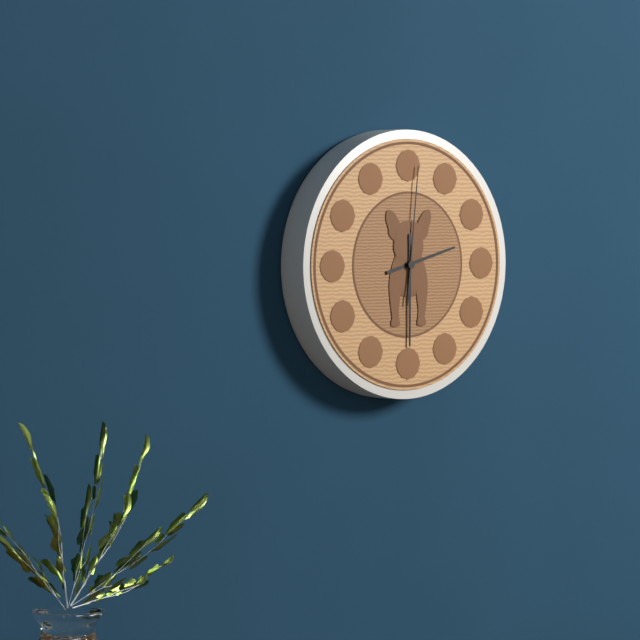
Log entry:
h=2 m=30 s=1
